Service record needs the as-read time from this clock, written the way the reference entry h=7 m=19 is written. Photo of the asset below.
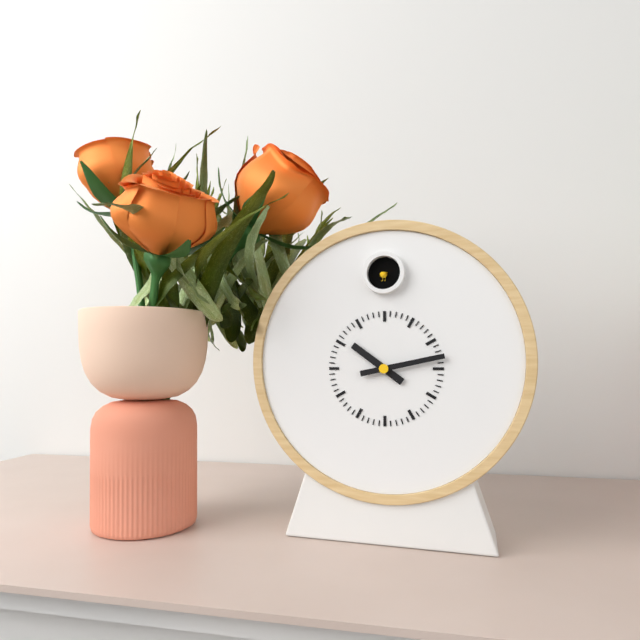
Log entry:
h=10 m=13
